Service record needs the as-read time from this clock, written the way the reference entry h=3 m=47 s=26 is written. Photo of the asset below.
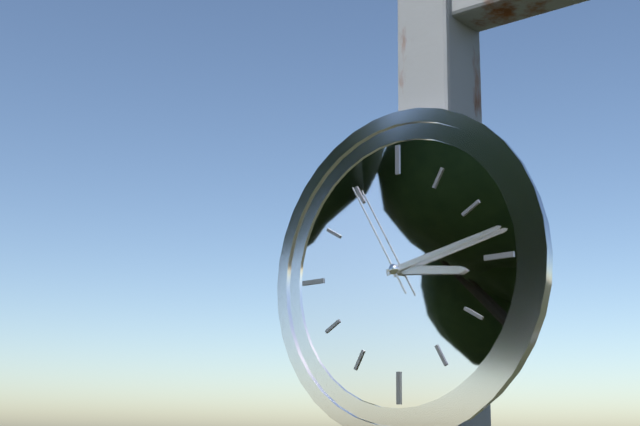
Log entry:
h=3 m=13 s=55
